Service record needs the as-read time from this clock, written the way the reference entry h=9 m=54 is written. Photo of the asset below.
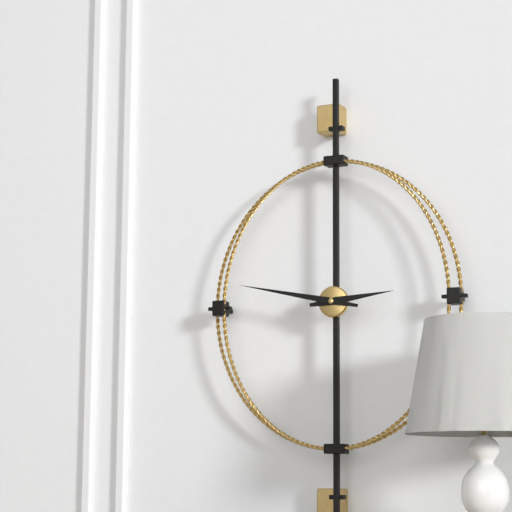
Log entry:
h=2 m=47
